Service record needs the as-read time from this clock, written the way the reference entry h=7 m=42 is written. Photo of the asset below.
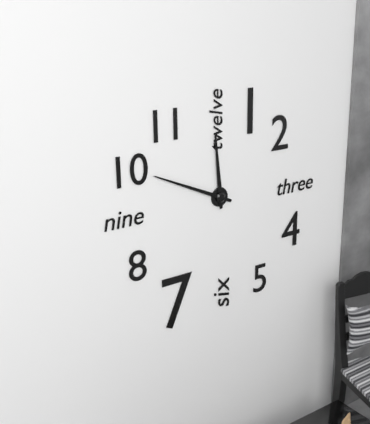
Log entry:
h=11 m=49
